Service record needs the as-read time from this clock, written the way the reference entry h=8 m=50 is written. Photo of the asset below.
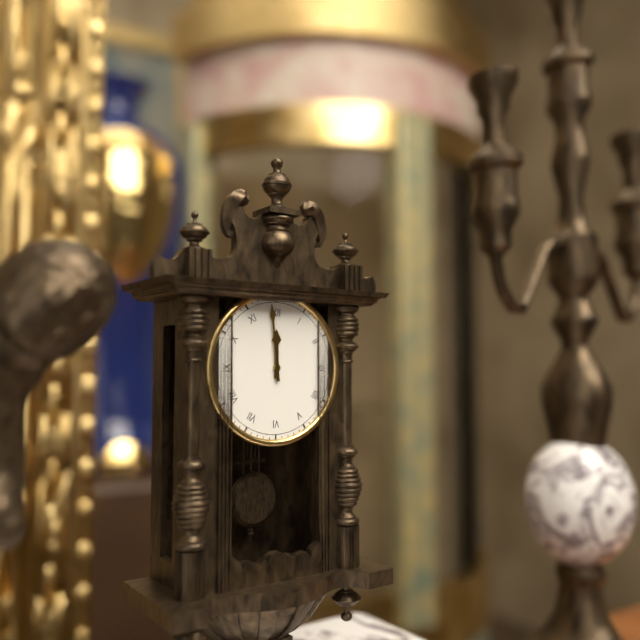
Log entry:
h=11 m=59
